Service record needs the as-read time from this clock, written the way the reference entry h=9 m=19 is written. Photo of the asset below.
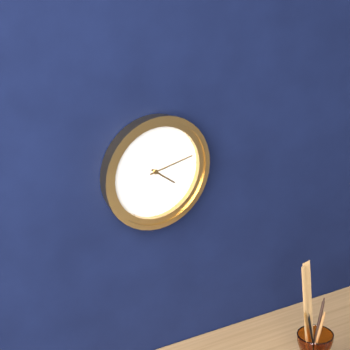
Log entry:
h=4 m=13
